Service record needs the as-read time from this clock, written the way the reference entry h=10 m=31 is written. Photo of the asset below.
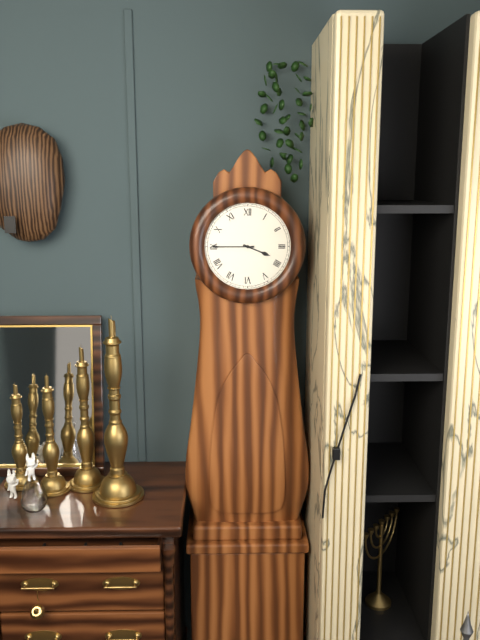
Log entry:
h=3 m=45
